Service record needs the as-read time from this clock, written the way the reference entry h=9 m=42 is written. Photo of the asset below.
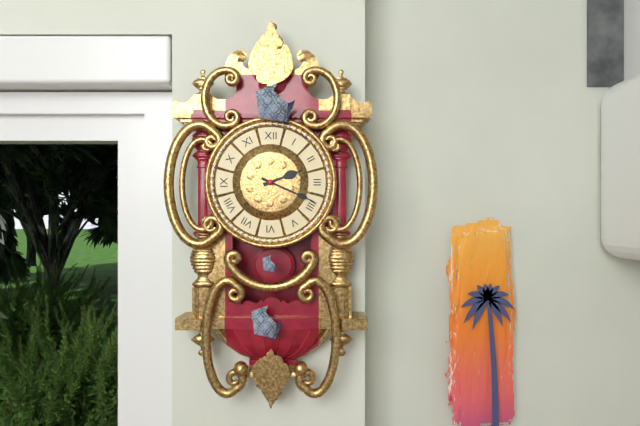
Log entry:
h=2 m=19
